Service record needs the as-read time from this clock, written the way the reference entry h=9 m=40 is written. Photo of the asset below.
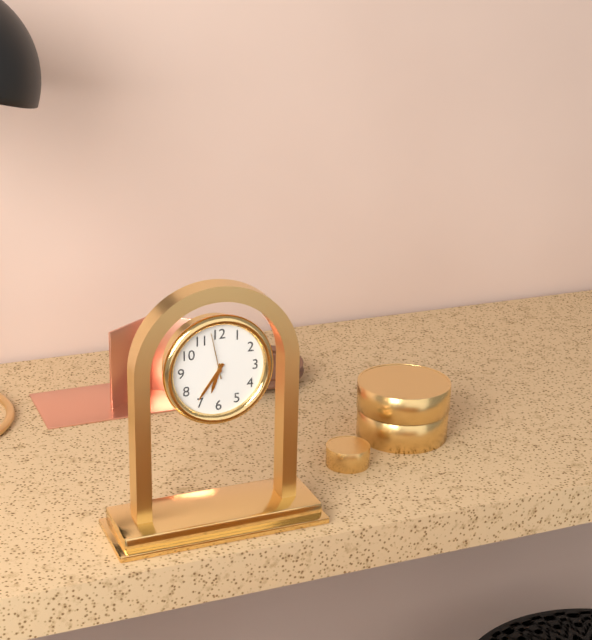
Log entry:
h=6 m=36
